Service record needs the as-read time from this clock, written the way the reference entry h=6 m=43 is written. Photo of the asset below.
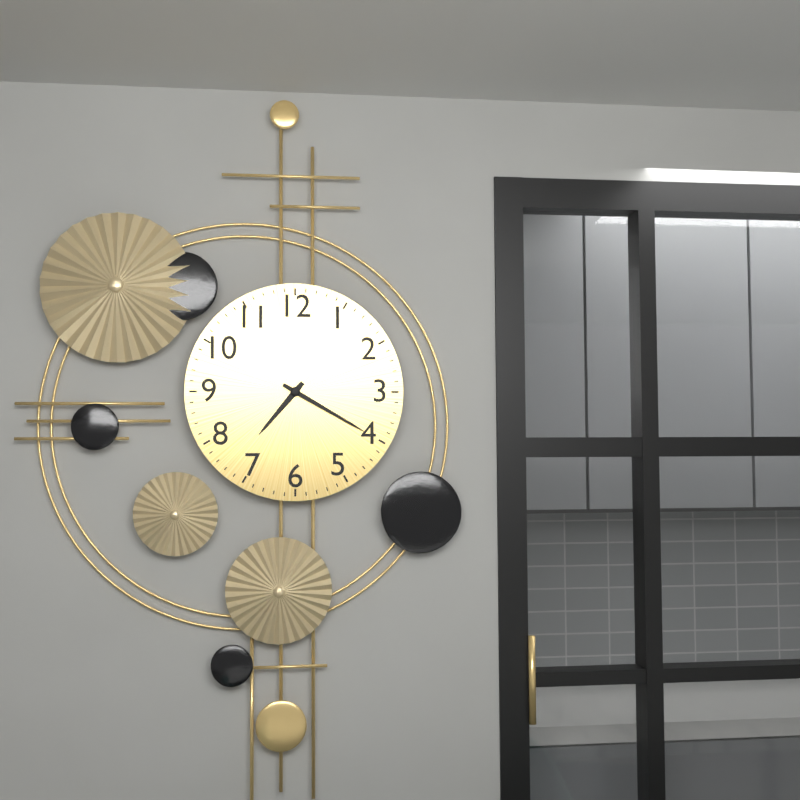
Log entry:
h=7 m=20
